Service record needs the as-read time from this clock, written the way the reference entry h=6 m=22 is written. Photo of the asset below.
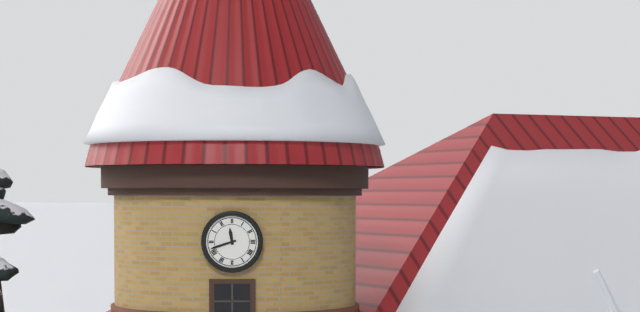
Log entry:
h=11 m=42
